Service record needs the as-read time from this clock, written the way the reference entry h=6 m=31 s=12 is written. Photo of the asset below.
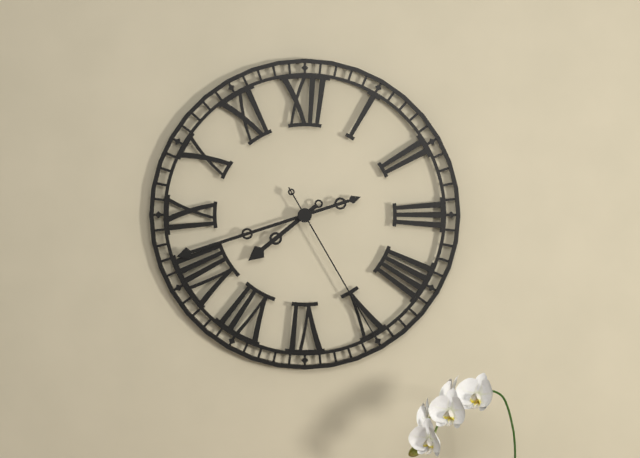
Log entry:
h=7 m=42 s=25
